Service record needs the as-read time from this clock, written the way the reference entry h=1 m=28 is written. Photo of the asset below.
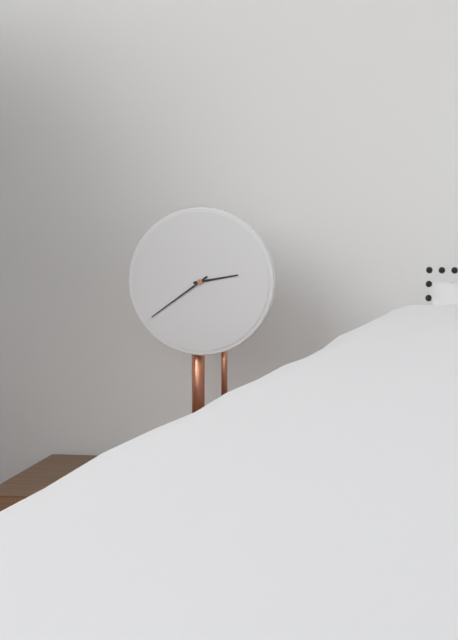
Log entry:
h=2 m=39
